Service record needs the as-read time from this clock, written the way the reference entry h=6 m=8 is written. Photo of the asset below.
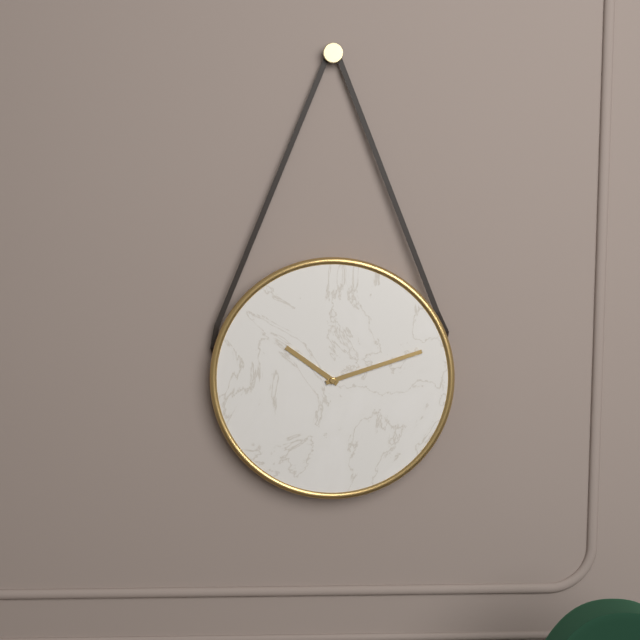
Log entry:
h=10 m=12
